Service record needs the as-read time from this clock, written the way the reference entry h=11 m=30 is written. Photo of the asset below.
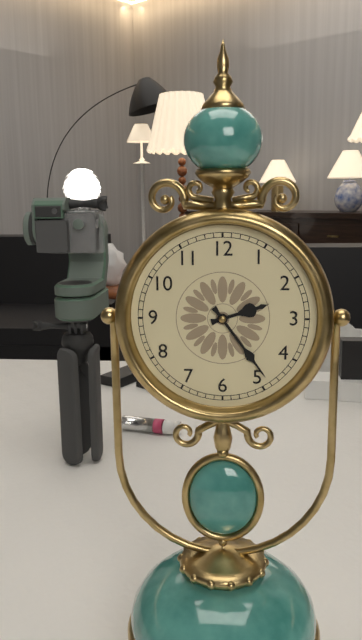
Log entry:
h=2 m=24
